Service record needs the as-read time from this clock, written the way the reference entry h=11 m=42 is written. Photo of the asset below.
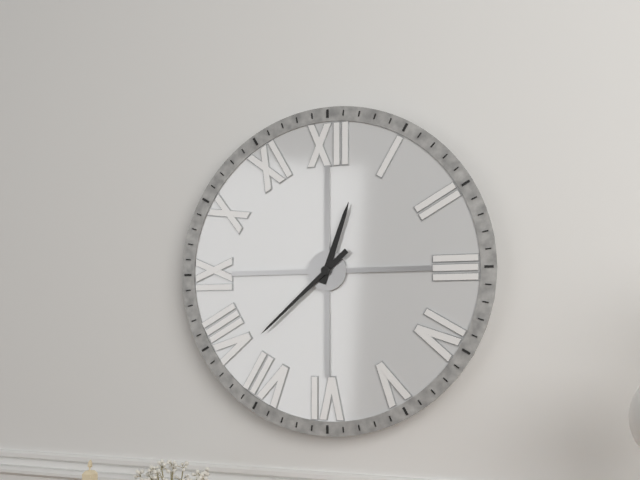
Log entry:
h=12 m=38
